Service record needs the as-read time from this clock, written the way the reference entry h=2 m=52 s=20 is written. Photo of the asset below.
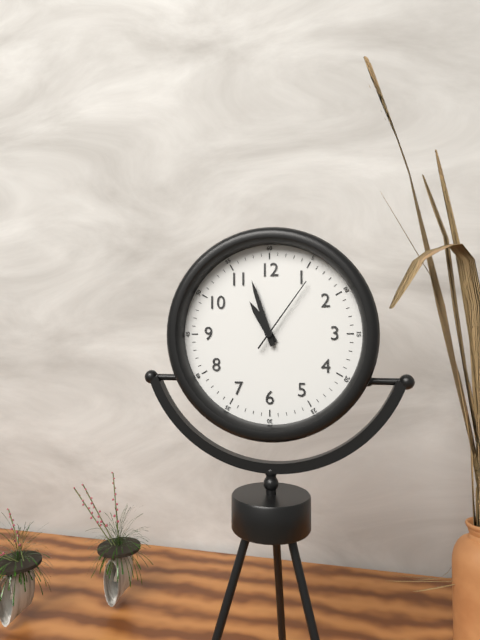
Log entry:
h=10 m=57 s=6
